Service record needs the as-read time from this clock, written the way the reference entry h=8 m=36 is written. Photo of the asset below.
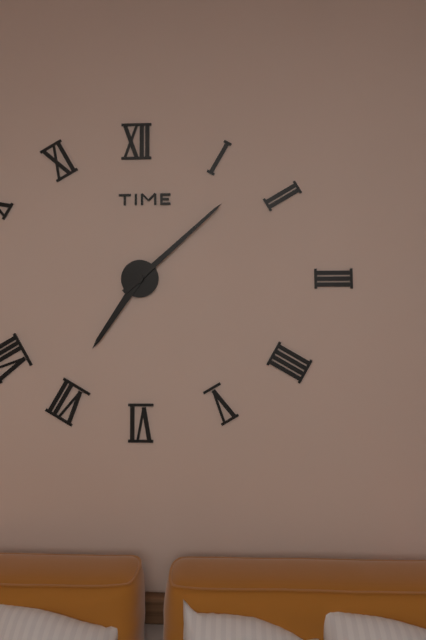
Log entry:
h=7 m=8
